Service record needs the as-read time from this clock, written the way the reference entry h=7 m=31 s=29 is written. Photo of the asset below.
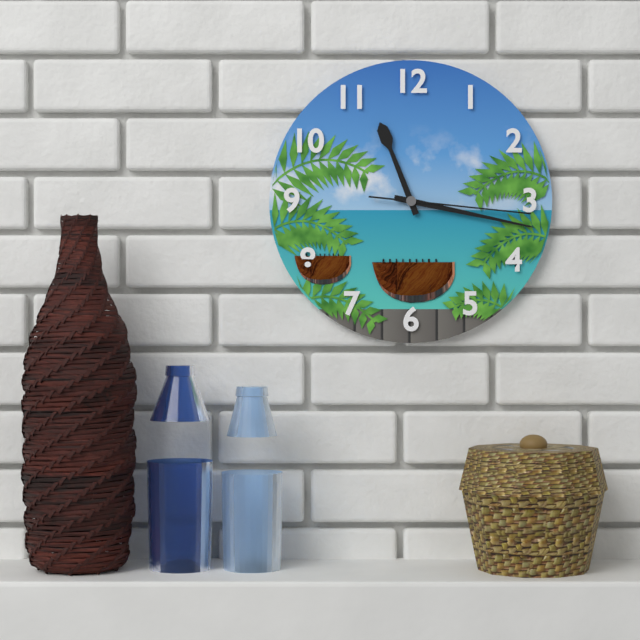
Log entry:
h=11 m=17 s=16
